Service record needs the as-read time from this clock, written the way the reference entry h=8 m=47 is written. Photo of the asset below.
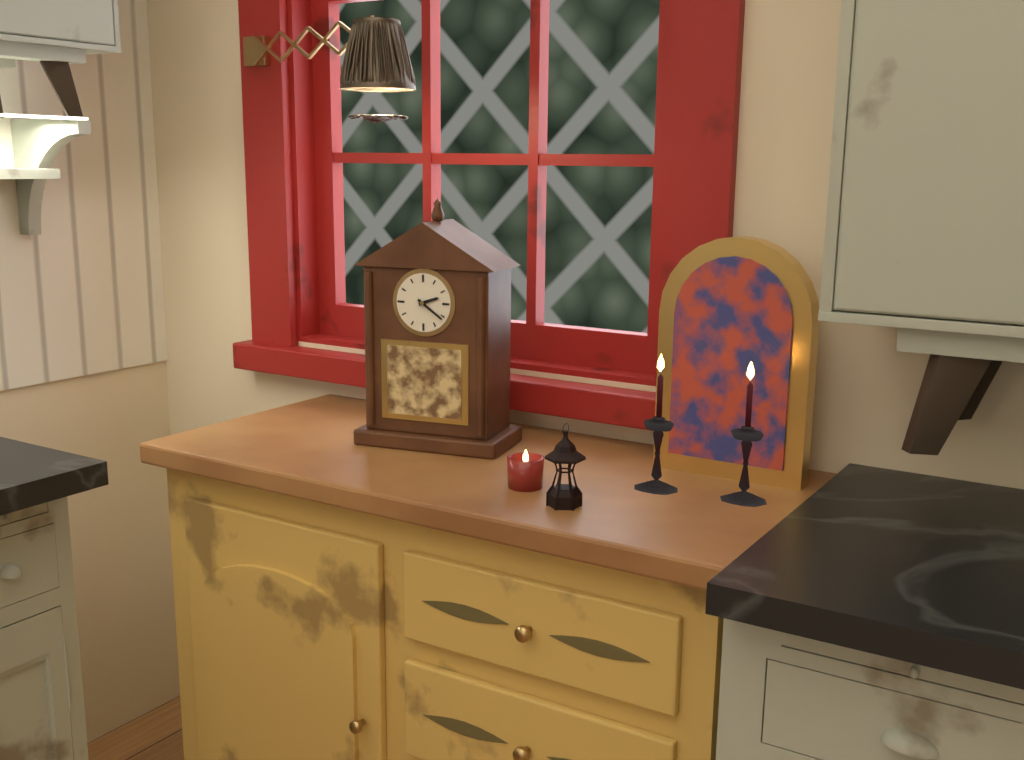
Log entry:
h=2 m=21
